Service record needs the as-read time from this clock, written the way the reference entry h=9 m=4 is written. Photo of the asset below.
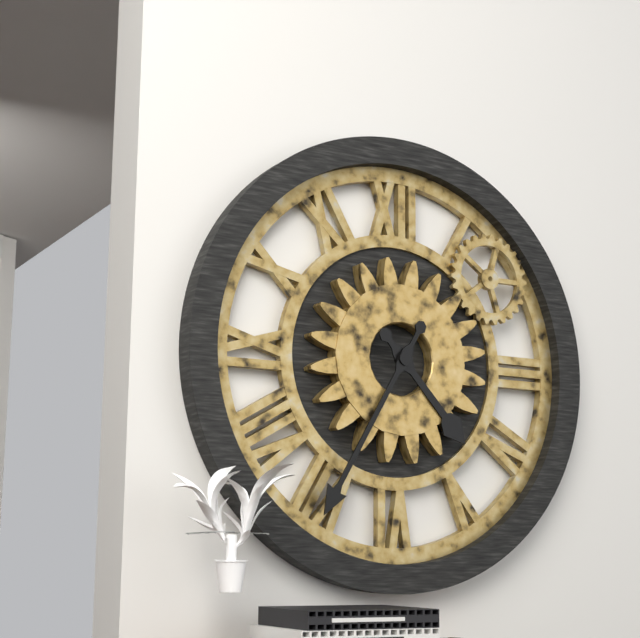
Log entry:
h=4 m=35
